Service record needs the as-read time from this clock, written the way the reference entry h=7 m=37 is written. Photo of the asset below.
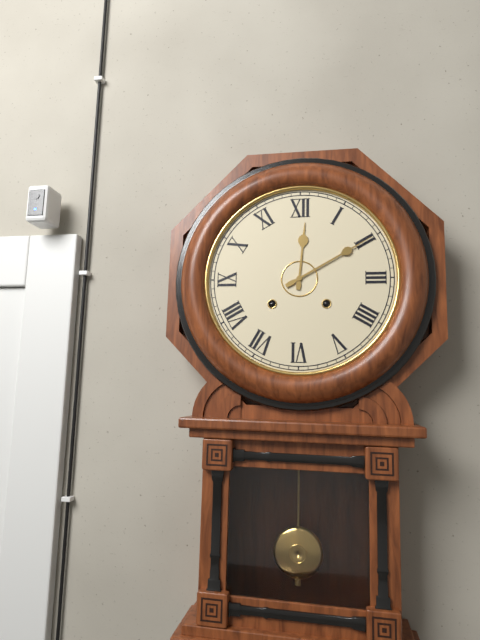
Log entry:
h=12 m=10
